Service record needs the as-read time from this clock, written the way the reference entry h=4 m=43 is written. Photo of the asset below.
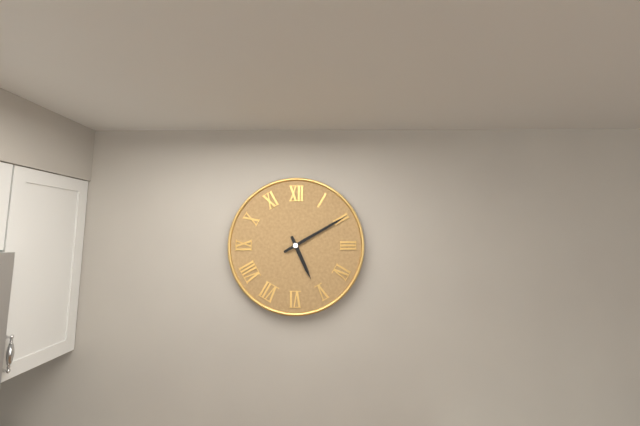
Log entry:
h=5 m=10
